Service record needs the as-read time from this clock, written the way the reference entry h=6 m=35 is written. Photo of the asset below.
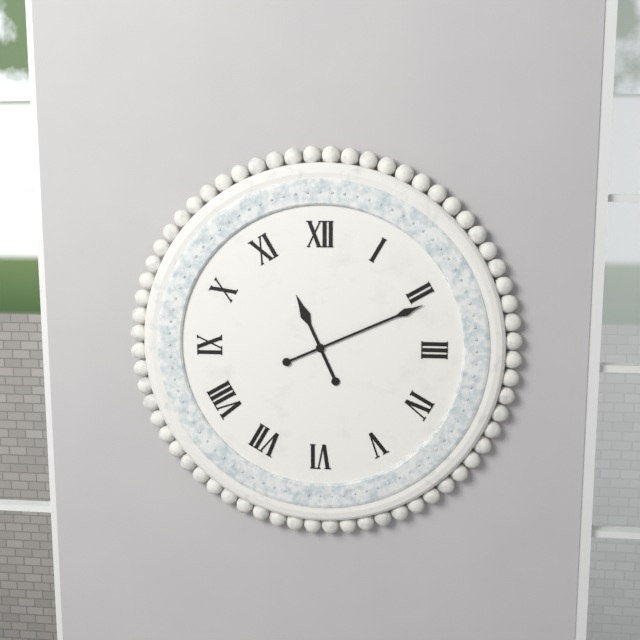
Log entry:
h=11 m=11
